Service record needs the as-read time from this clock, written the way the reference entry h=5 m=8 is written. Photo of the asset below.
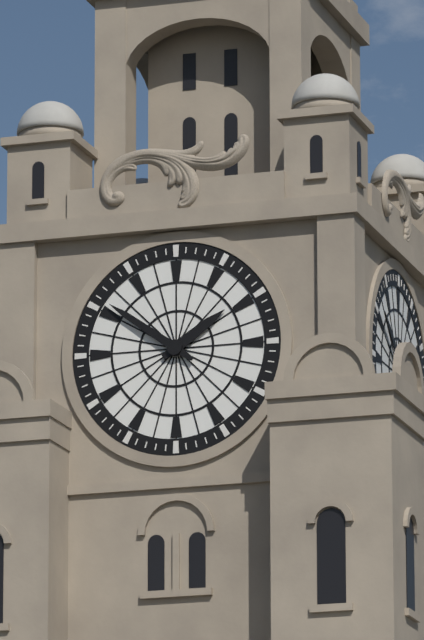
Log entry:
h=1 m=51
